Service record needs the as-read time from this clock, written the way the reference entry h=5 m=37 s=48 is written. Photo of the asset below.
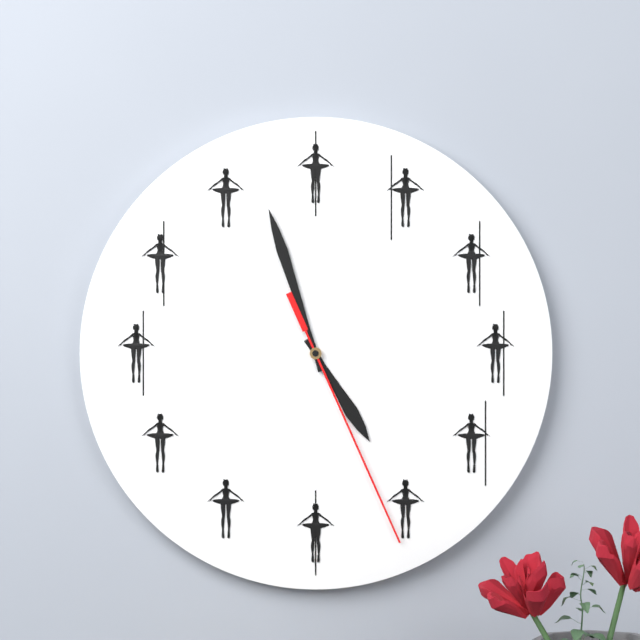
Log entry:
h=4 m=57 s=26
